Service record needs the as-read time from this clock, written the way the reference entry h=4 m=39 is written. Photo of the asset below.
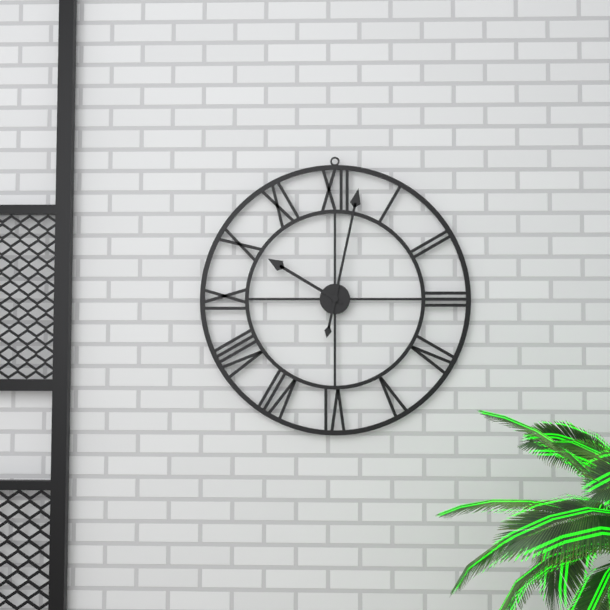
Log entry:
h=10 m=2
